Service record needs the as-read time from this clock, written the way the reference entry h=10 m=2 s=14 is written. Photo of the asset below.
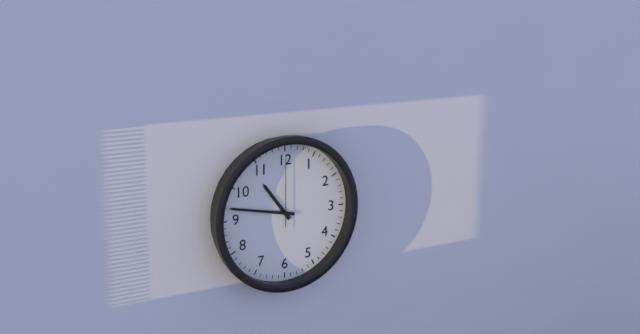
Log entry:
h=10 m=47 s=0
